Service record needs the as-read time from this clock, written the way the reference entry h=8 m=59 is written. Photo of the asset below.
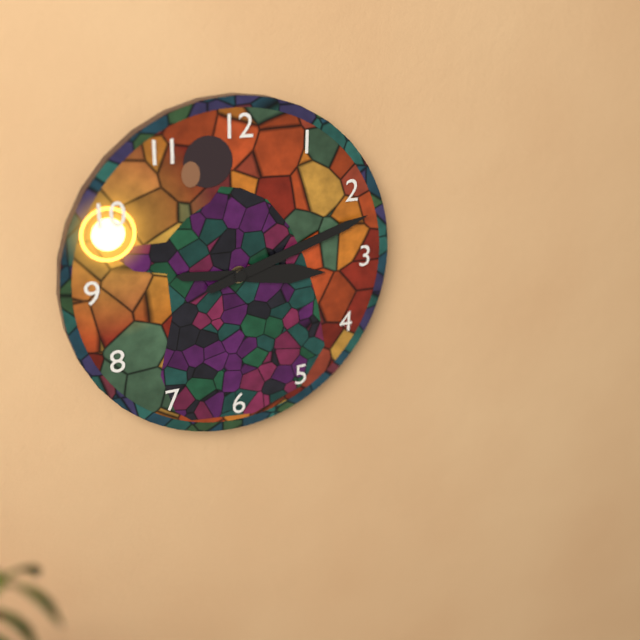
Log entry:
h=3 m=12
